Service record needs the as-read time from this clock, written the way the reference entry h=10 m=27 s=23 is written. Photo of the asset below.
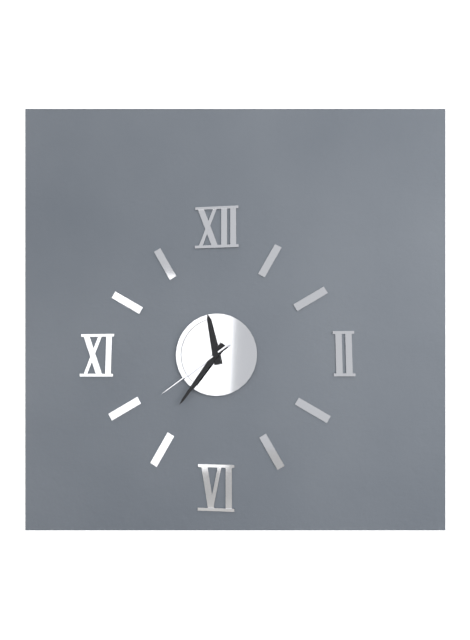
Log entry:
h=11 m=36 s=39
